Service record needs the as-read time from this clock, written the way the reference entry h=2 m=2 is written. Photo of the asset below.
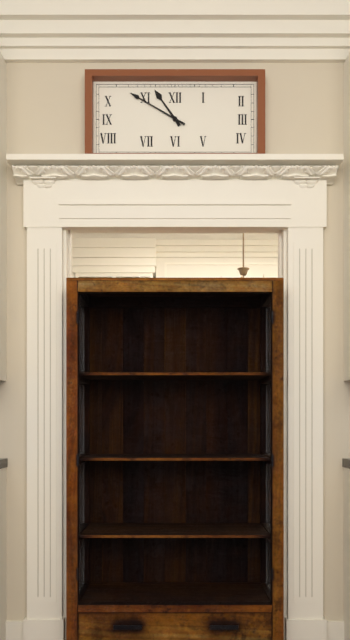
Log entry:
h=10 m=50
